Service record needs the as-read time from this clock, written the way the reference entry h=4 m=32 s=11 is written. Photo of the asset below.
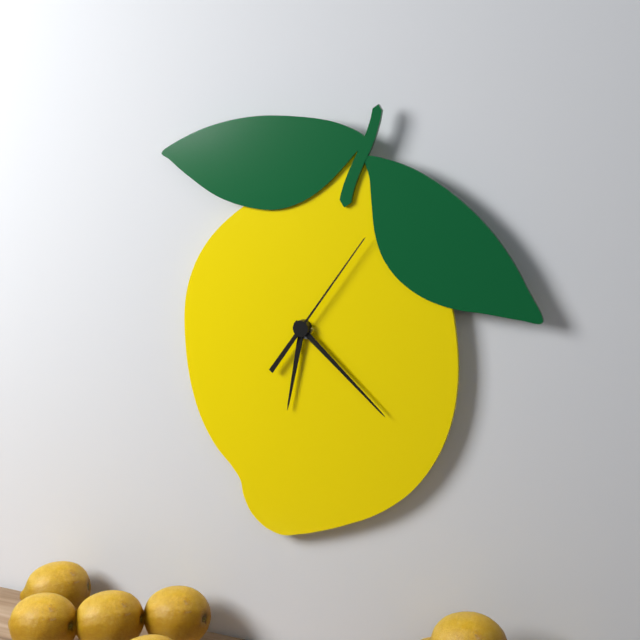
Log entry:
h=6 m=22 s=6
